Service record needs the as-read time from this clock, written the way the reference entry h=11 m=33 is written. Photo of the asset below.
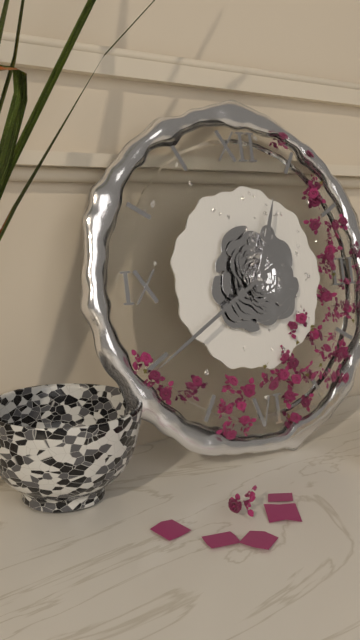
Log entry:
h=12 m=40
